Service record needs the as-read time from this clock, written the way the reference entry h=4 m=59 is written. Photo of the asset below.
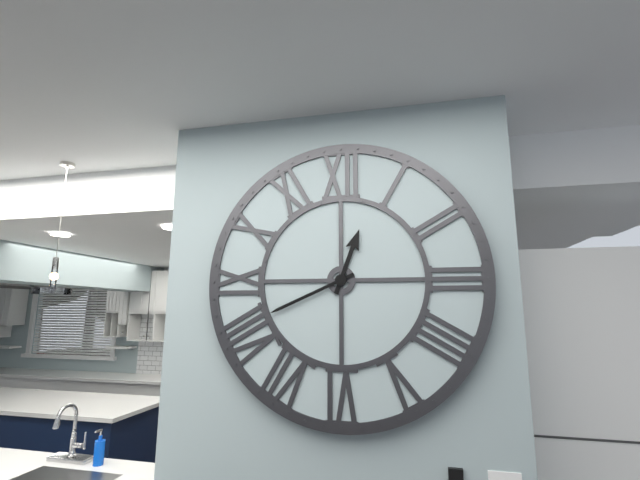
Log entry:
h=12 m=41
